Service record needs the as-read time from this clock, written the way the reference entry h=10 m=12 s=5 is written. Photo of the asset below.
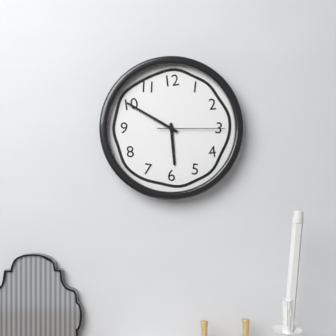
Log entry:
h=5 m=50 s=15
